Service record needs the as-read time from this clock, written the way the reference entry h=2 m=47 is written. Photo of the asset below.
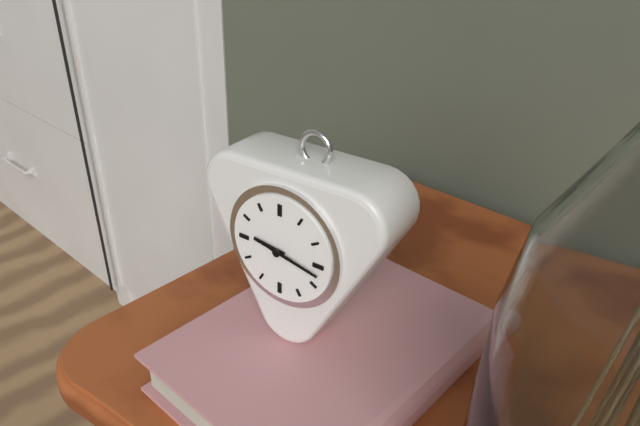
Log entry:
h=9 m=17
